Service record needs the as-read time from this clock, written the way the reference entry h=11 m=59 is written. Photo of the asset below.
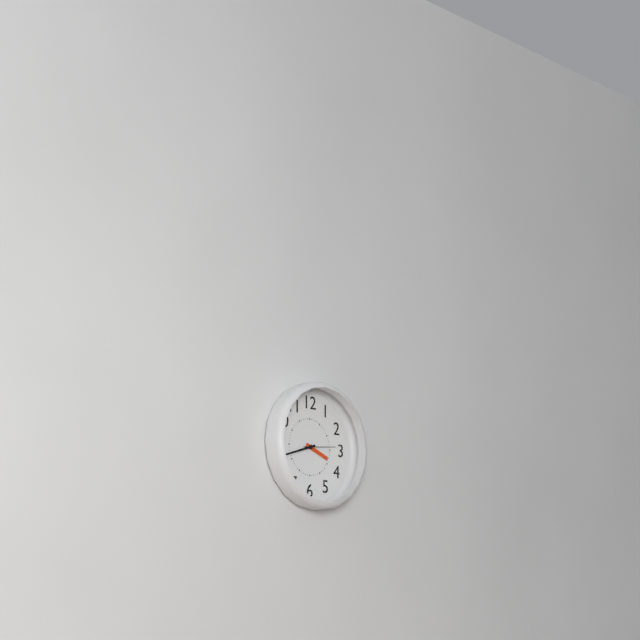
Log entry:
h=3 m=42
